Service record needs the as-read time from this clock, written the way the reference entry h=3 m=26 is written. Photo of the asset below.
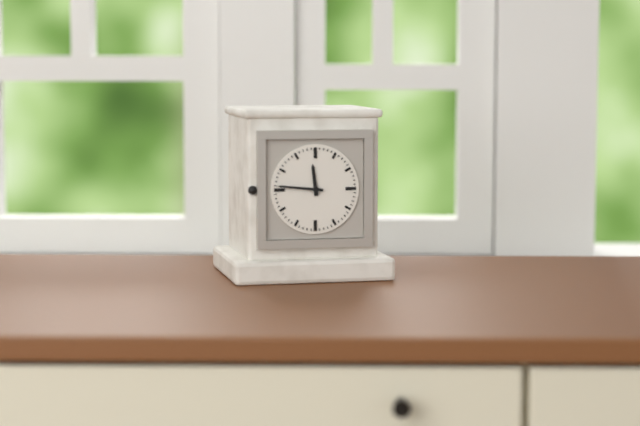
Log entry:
h=11 m=46
